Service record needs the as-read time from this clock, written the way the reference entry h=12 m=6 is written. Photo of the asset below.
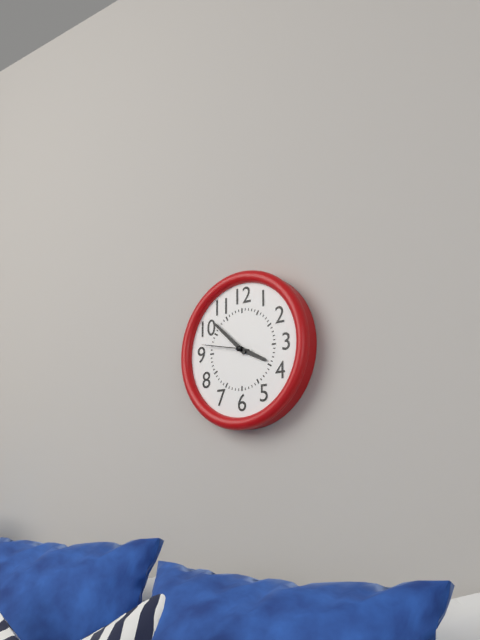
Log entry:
h=3 m=52
